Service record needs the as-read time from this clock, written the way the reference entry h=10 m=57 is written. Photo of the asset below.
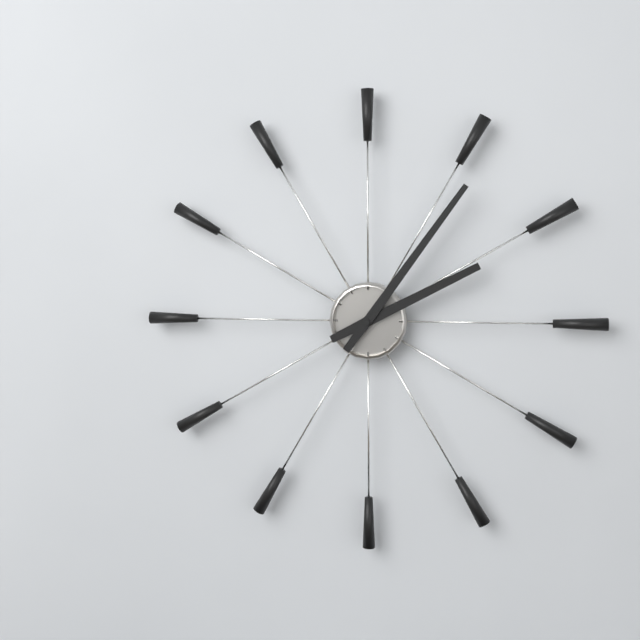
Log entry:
h=2 m=6
